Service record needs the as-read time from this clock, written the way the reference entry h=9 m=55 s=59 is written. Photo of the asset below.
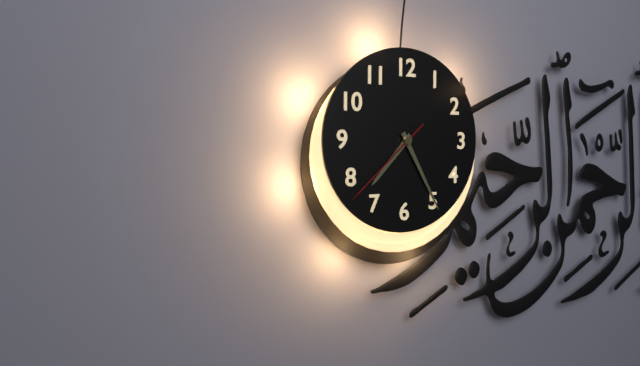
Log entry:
h=7 m=25 s=38
